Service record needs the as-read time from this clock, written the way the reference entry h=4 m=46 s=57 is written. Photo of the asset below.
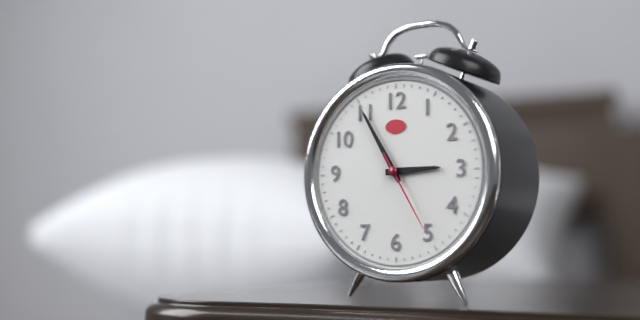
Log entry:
h=2 m=55 s=25
